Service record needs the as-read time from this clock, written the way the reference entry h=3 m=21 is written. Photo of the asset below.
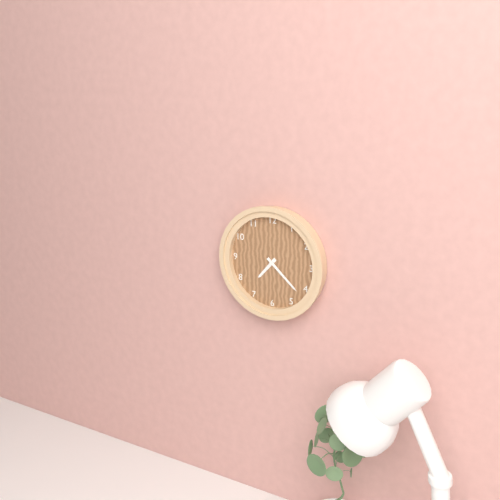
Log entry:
h=7 m=22
